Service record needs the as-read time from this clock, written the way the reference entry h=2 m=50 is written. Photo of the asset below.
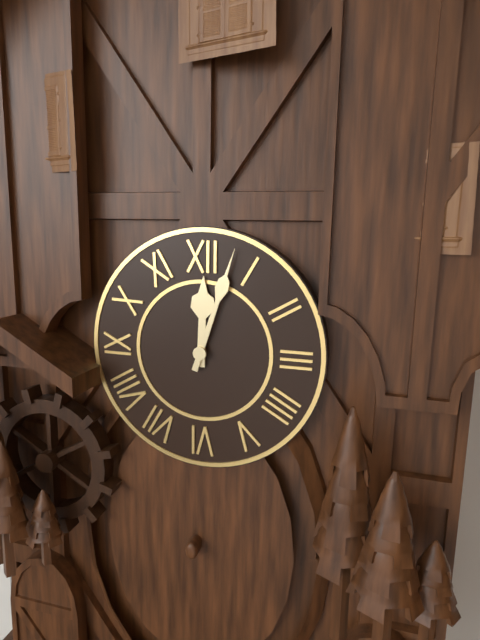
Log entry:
h=12 m=3
